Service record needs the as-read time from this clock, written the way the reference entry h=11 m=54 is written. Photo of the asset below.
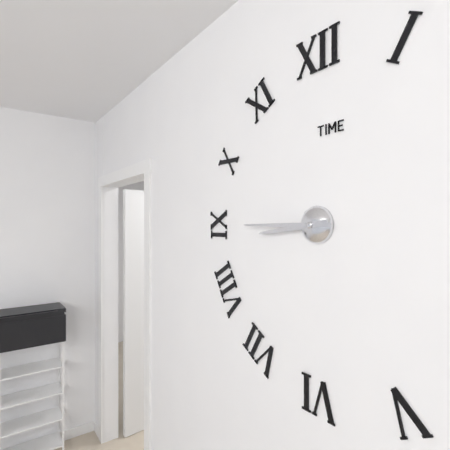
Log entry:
h=8 m=45
